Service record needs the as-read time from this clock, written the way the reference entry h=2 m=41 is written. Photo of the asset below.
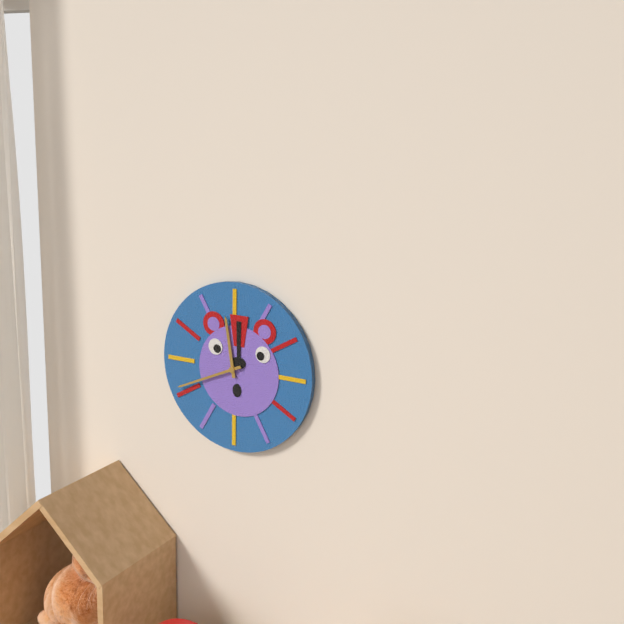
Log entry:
h=11 m=41
